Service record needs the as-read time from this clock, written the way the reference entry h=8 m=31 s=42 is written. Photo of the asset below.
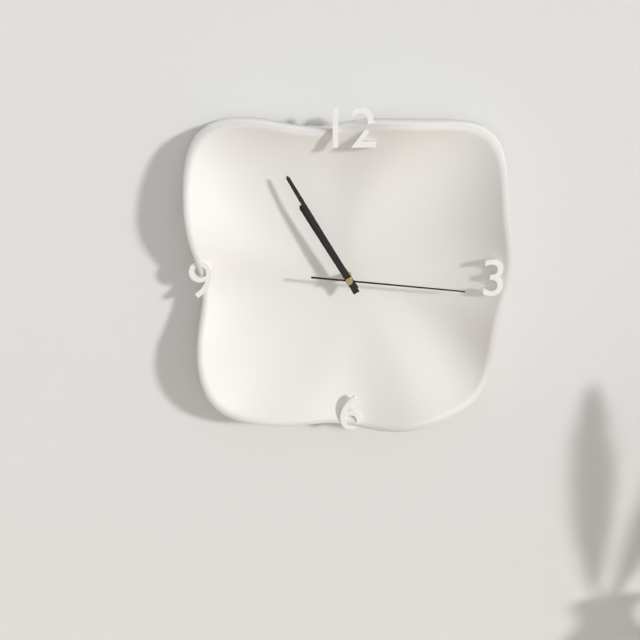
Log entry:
h=10 m=55 s=16
